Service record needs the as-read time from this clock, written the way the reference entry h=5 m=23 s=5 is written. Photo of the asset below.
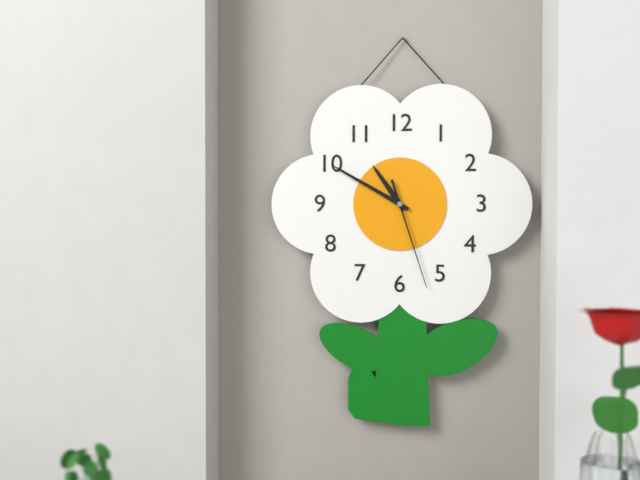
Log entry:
h=10 m=50 s=27
